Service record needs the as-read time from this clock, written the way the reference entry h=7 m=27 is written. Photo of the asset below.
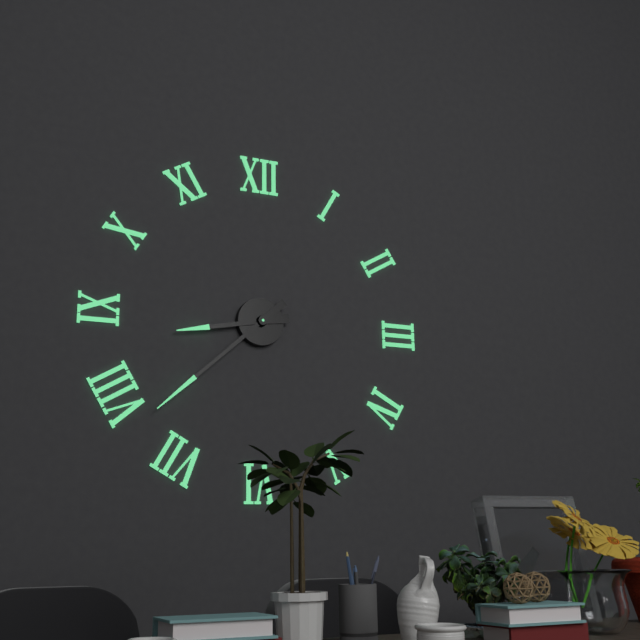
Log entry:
h=8 m=38
